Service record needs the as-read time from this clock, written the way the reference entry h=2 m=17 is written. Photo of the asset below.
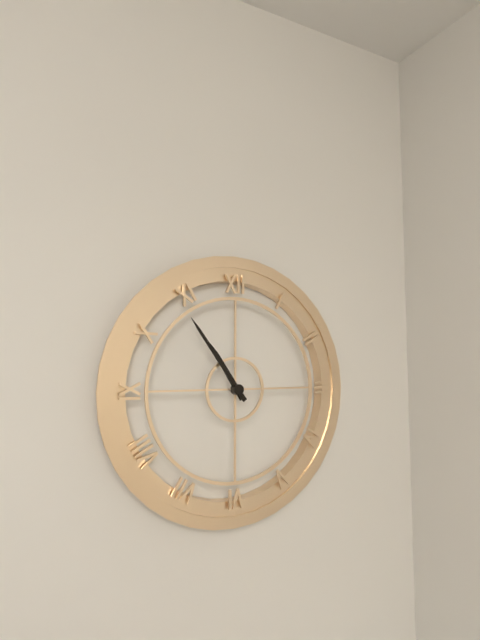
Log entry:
h=10 m=54
